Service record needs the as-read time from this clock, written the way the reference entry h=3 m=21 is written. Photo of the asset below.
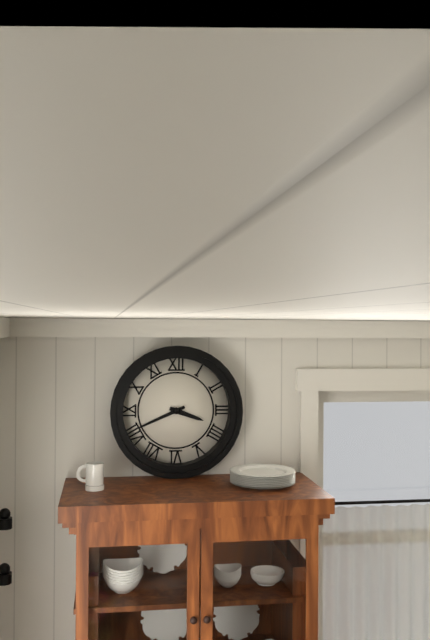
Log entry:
h=3 m=41
